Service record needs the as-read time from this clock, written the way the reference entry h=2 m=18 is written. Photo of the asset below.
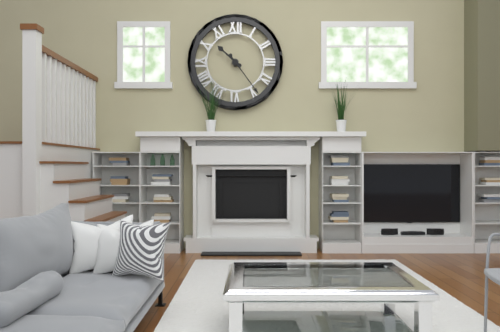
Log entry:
h=10 m=24
